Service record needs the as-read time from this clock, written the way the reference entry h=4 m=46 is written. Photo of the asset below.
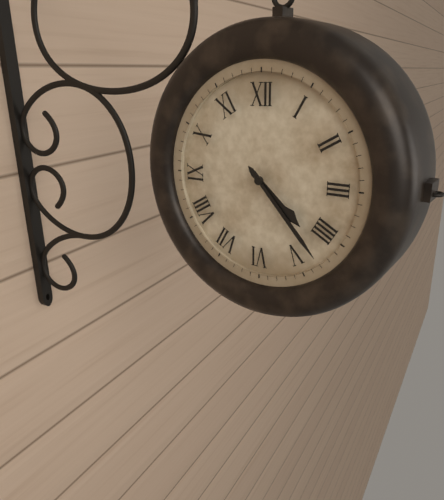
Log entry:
h=4 m=23
